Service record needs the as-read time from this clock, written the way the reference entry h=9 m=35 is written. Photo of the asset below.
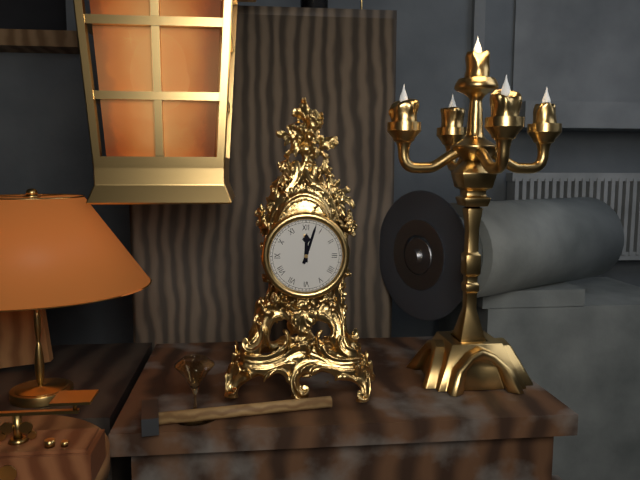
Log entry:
h=12 m=3
